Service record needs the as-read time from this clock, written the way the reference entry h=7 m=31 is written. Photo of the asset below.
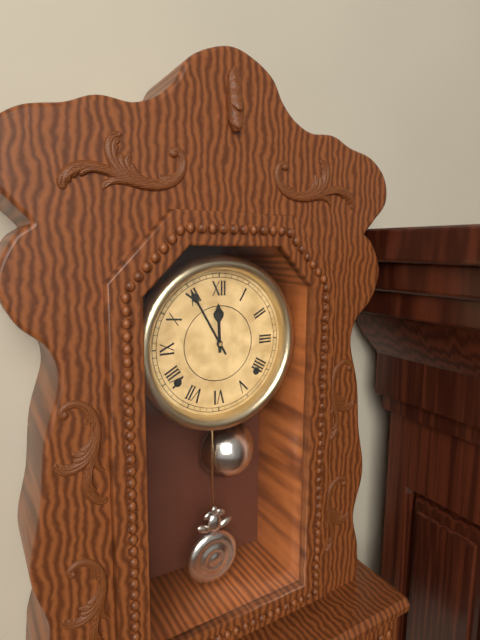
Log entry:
h=11 m=55
